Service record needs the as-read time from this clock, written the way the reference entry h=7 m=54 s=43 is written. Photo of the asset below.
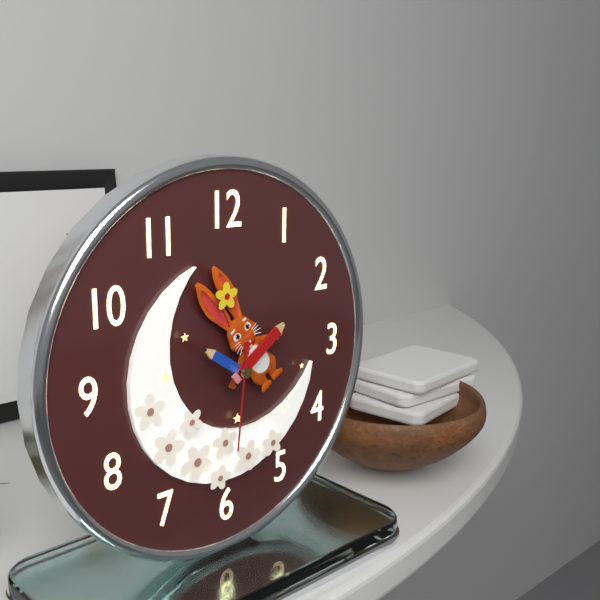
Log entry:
h=10 m=9 s=31
